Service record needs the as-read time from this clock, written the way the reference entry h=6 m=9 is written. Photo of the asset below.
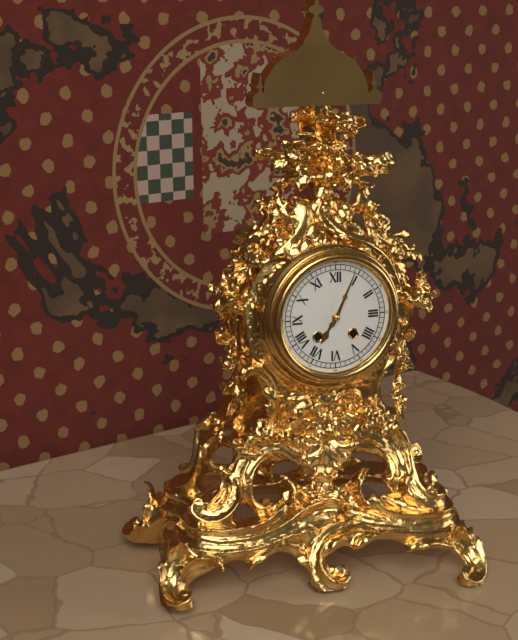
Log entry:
h=7 m=4
